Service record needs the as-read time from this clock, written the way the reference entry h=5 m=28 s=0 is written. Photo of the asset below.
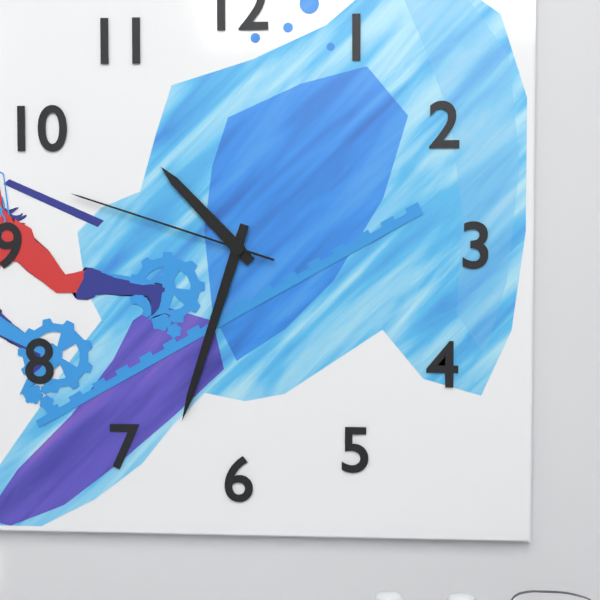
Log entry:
h=10 m=33 s=48
